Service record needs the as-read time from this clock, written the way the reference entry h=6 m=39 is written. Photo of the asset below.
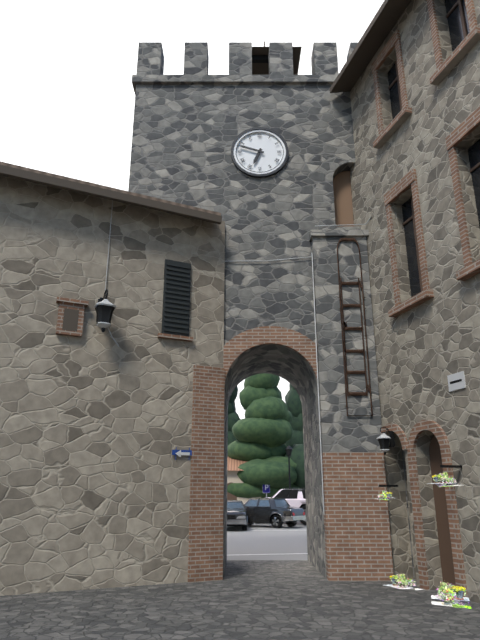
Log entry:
h=6 m=48
